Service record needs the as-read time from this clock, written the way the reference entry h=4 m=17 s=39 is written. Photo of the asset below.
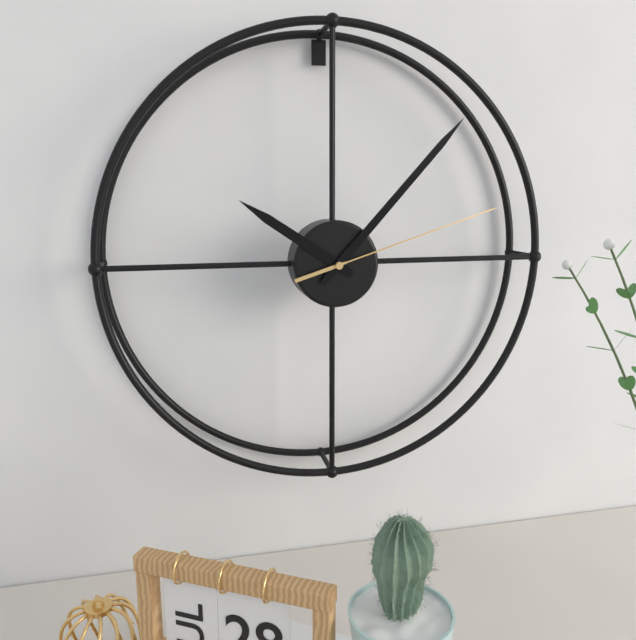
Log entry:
h=10 m=7 s=12
